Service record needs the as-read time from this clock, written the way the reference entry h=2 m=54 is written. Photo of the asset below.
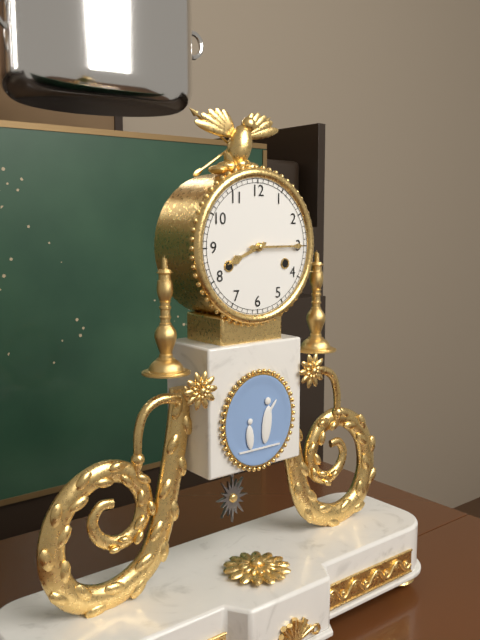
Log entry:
h=8 m=15
